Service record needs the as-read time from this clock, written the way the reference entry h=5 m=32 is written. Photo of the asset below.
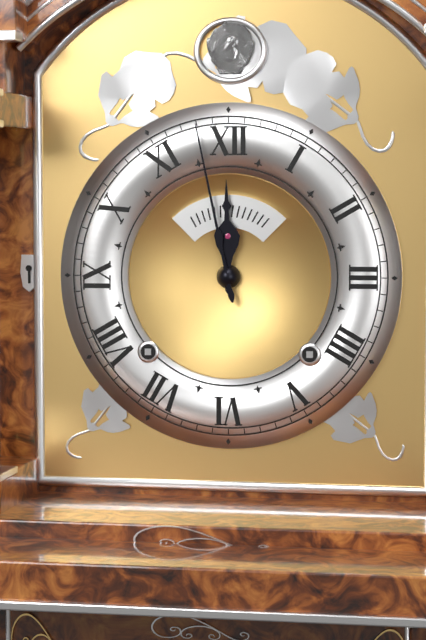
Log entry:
h=11 m=58
